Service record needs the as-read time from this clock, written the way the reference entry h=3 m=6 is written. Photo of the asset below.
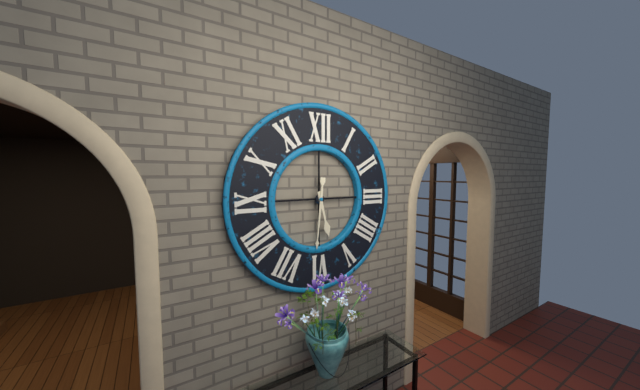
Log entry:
h=5 m=31
